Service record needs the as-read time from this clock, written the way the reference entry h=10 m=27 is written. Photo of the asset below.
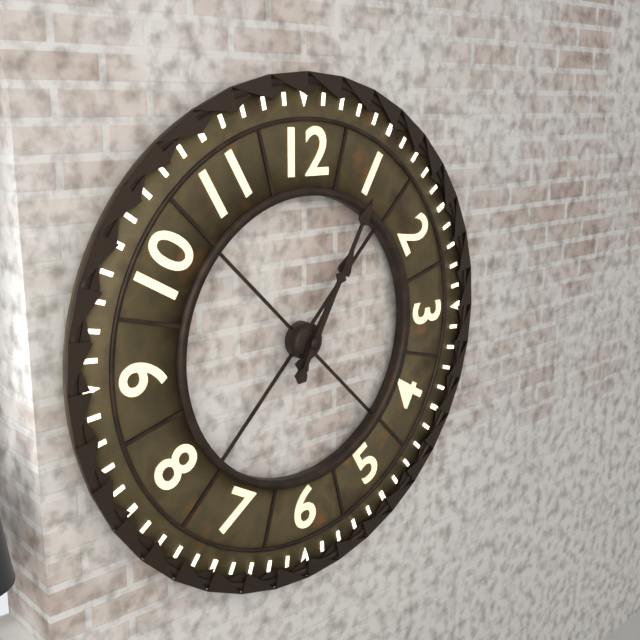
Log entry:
h=1 m=5
